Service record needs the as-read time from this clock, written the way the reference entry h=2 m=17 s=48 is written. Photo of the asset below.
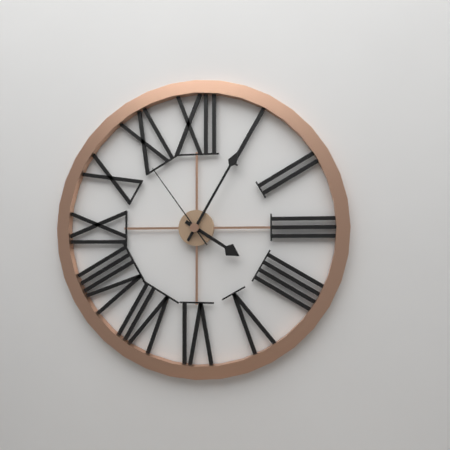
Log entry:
h=4 m=5 s=54
